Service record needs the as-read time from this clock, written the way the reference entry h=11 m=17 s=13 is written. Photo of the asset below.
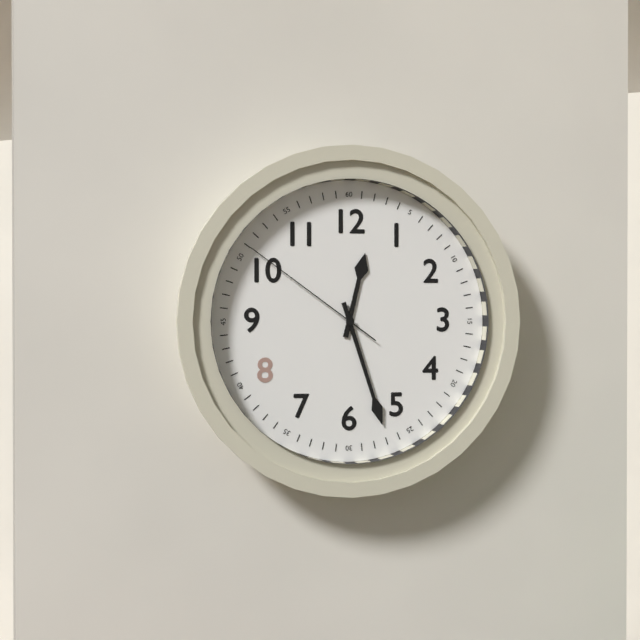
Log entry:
h=12 m=27 s=51
